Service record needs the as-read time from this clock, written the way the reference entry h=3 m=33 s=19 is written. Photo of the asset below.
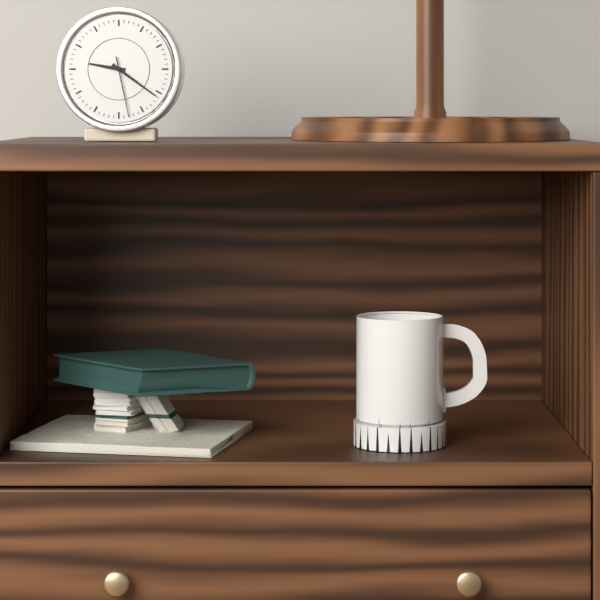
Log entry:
h=9 m=21 s=28
